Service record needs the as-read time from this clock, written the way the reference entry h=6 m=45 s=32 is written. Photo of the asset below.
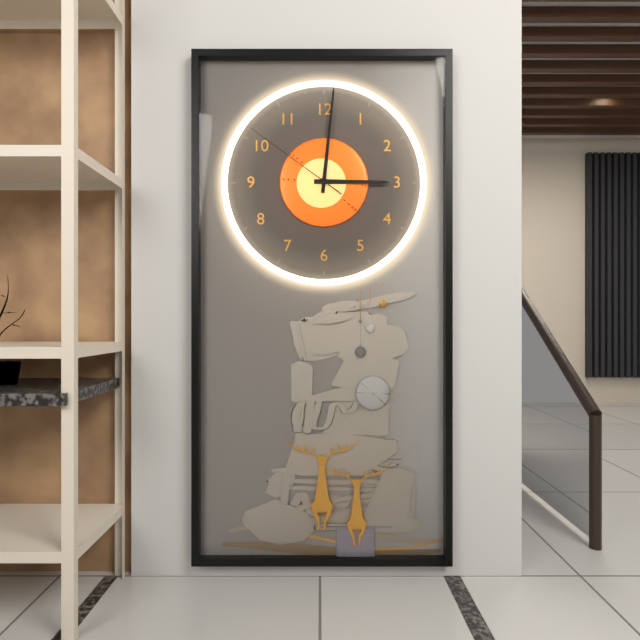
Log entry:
h=3 m=1 s=51
